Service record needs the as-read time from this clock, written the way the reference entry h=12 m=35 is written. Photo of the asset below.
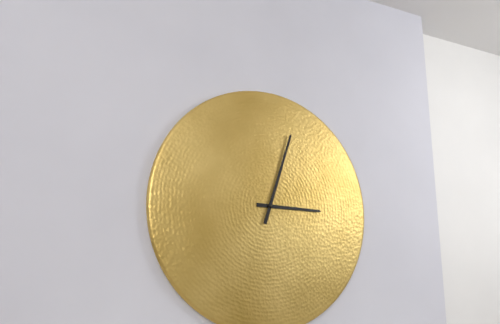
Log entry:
h=3 m=3
